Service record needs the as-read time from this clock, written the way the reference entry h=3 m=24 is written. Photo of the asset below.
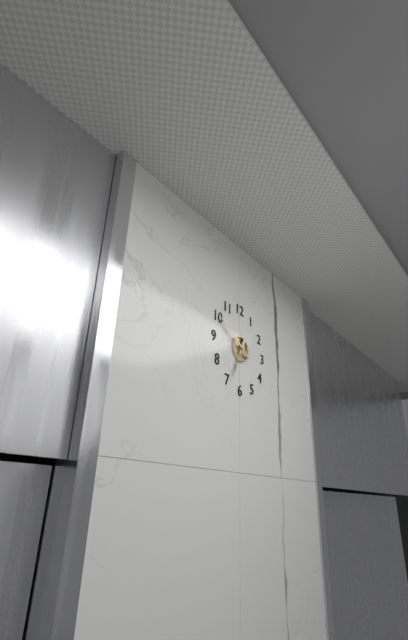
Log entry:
h=6 m=50
